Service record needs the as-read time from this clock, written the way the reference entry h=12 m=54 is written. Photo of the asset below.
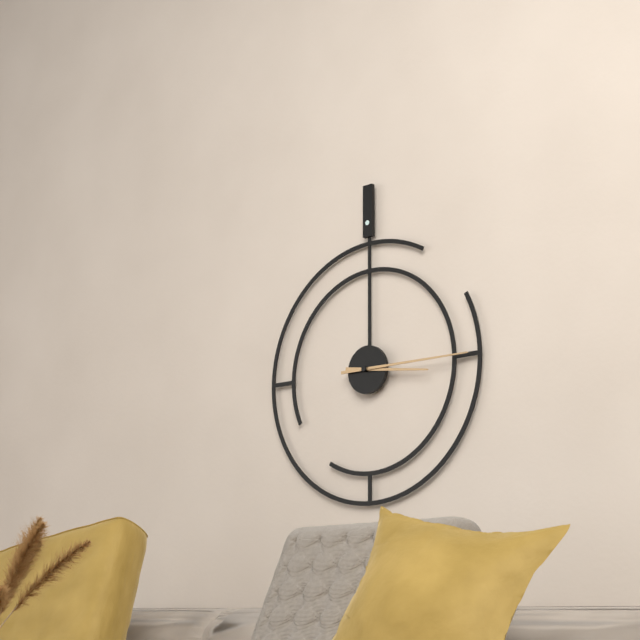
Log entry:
h=3 m=15
